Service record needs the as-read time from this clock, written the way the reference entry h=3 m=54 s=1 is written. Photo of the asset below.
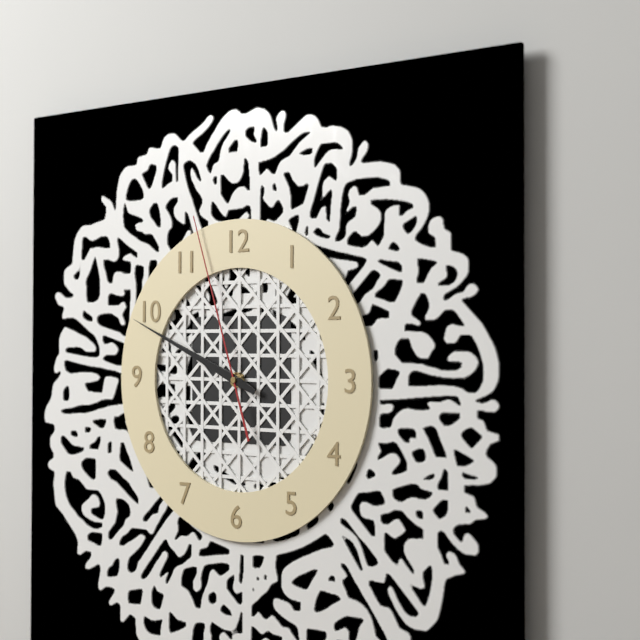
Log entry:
h=9 m=49 s=57
